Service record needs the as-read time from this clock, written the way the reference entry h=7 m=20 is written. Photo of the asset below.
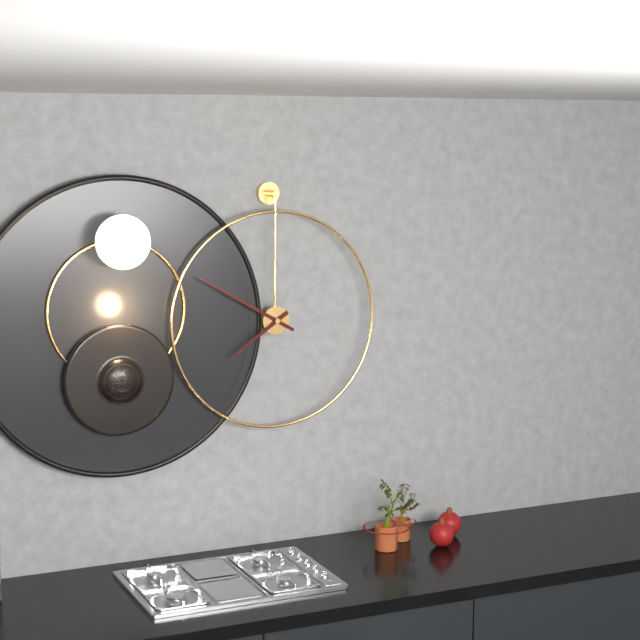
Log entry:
h=7 m=50
